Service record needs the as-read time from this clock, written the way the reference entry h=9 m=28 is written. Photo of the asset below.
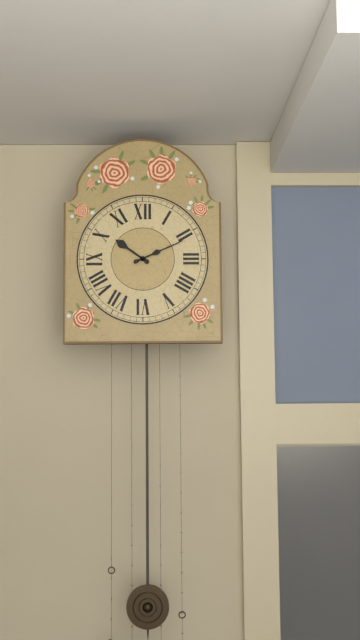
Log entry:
h=10 m=11
